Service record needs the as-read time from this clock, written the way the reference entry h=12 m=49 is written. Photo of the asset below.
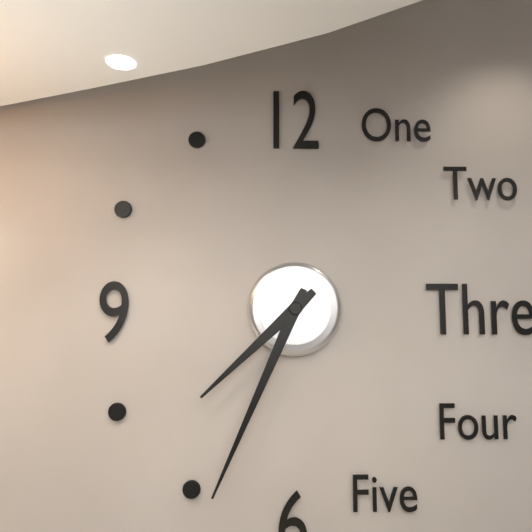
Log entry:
h=7 m=34
